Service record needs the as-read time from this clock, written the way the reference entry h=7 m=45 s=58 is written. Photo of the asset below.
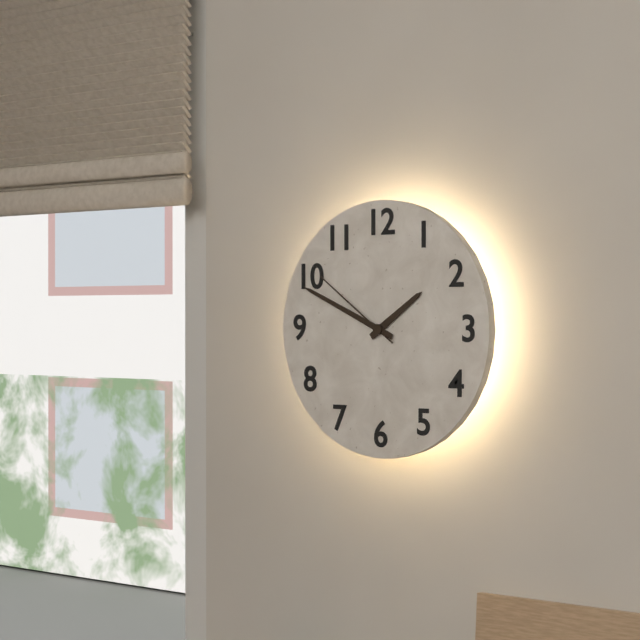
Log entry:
h=1 m=49 s=51
